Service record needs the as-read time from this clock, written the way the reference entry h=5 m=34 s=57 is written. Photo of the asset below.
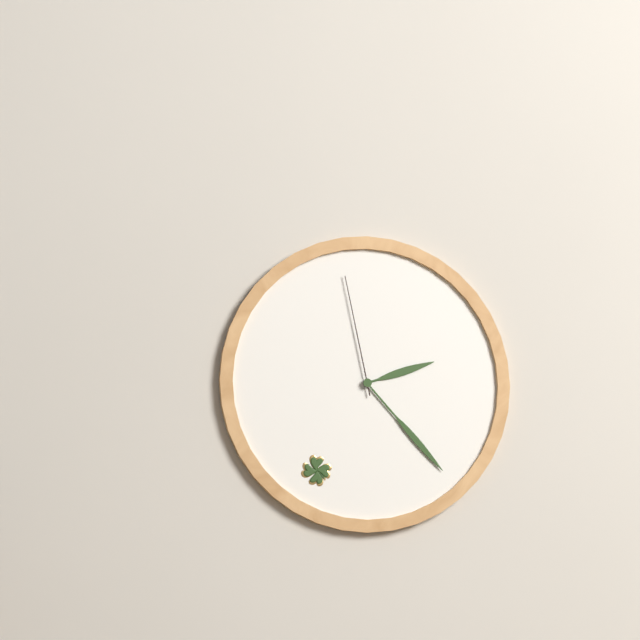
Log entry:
h=2 m=23 s=58
